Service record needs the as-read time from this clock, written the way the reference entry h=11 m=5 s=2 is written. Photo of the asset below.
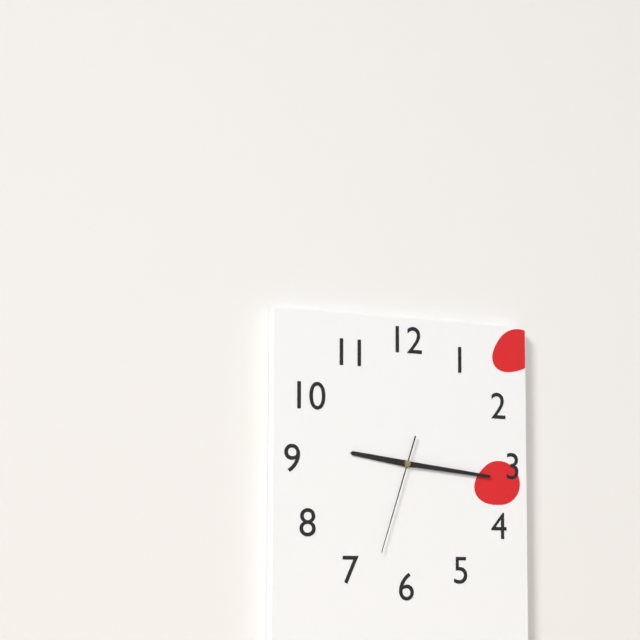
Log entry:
h=9 m=16 s=33
